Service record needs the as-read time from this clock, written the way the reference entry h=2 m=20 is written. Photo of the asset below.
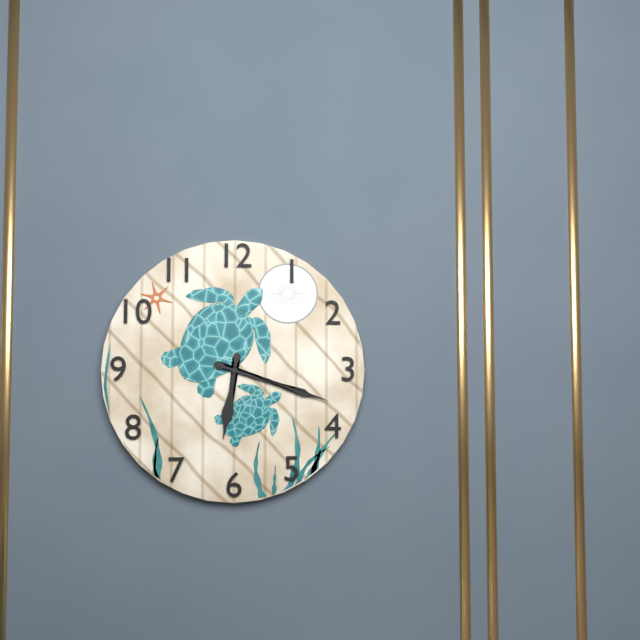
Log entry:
h=6 m=18
